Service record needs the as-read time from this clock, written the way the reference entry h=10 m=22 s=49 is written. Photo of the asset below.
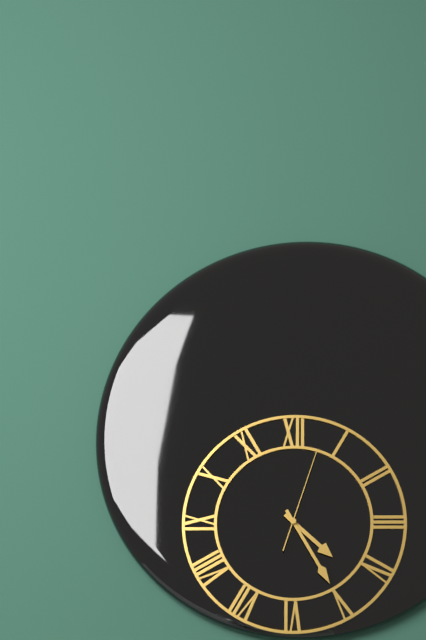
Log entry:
h=4 m=25 s=3
